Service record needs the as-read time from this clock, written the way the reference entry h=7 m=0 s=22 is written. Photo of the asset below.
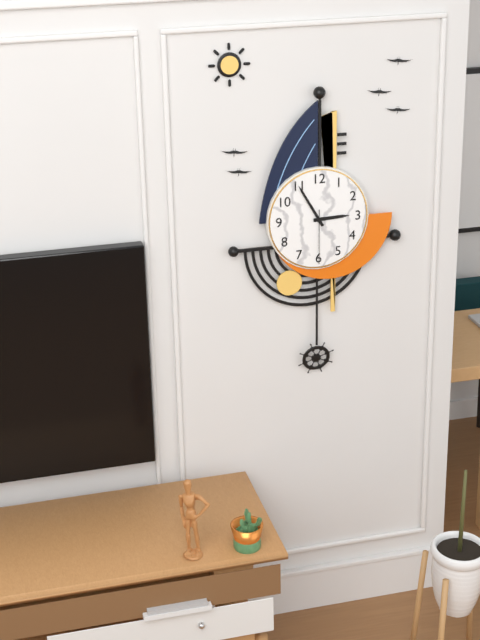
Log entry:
h=2 m=55 s=30
